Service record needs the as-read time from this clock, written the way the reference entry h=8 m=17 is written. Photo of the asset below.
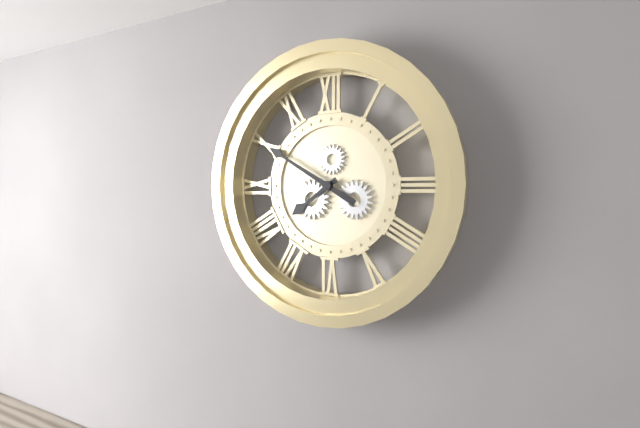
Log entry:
h=7 m=50
